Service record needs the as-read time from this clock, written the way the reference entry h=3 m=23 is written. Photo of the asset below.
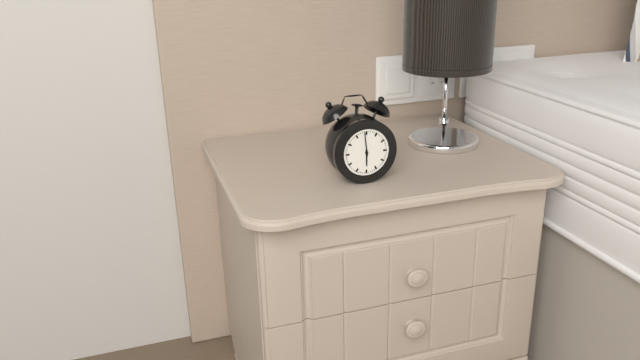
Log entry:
h=5 m=59
